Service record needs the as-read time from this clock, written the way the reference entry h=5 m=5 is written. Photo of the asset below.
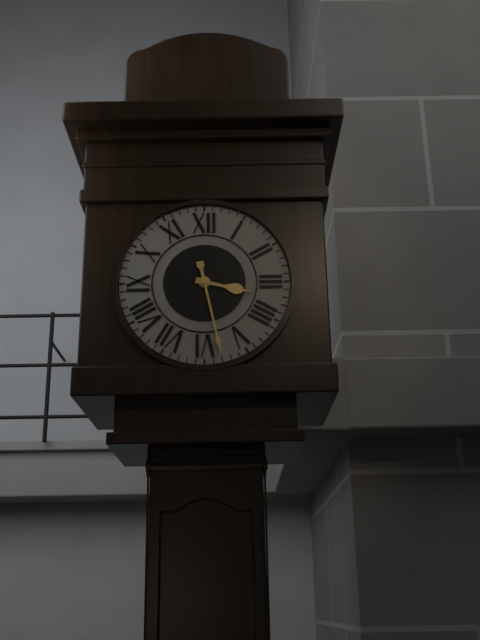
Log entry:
h=3 m=28
